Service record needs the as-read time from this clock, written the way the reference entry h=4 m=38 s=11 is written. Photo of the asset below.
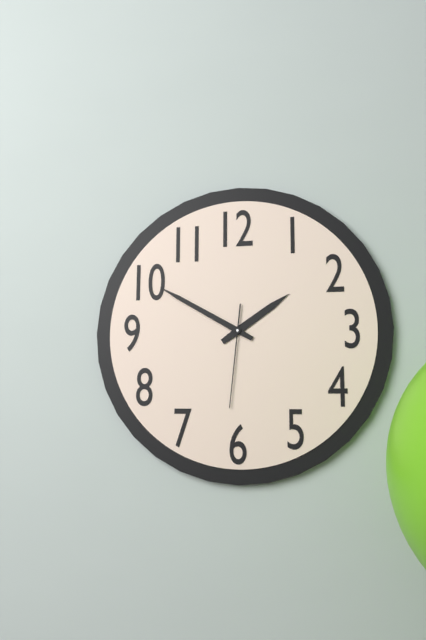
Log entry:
h=1 m=50 s=31
